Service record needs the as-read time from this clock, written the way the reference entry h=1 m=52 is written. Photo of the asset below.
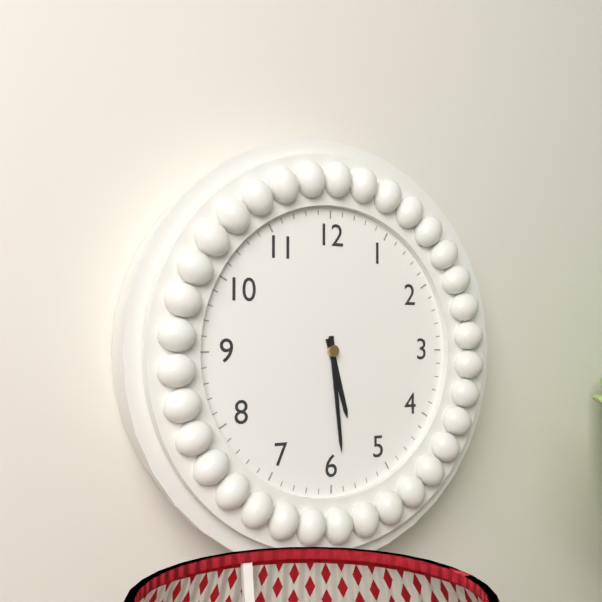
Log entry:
h=5 m=29
